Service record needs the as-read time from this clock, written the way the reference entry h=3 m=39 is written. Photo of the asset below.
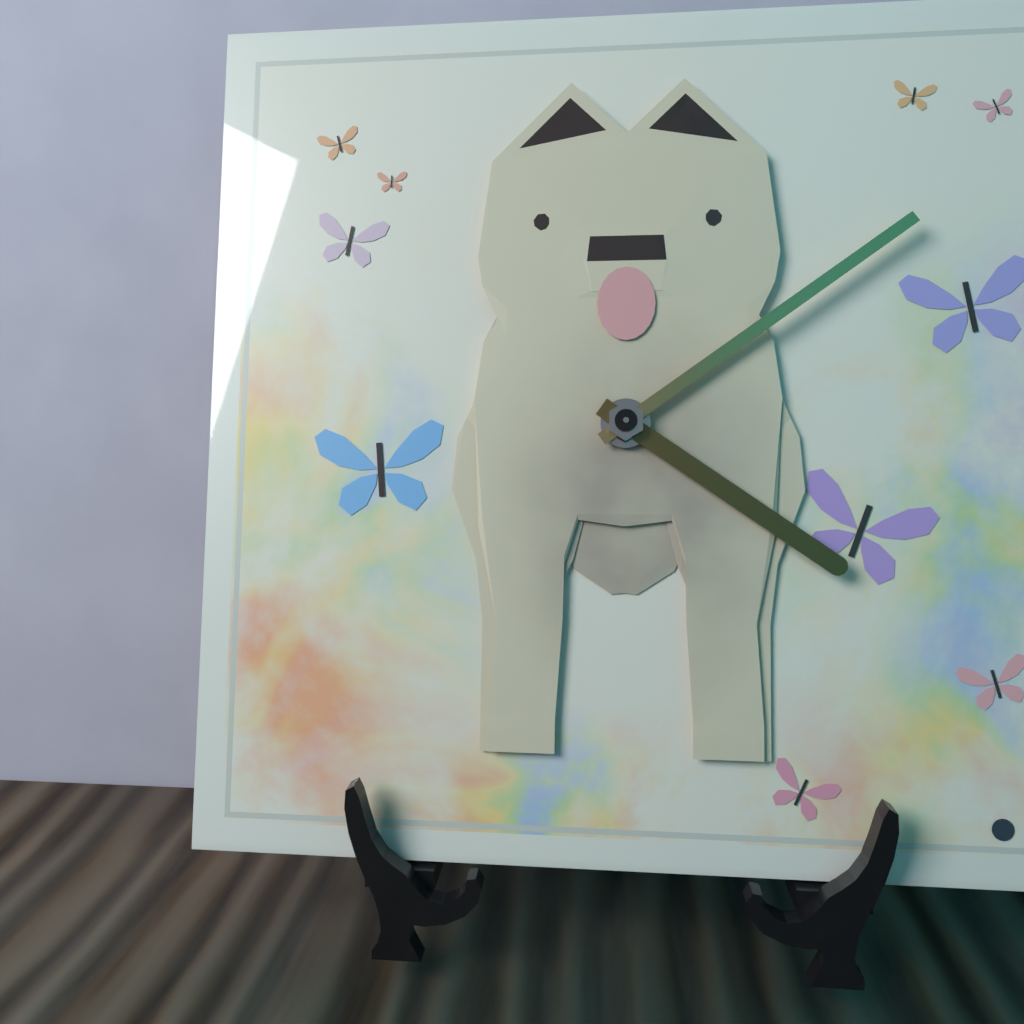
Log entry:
h=4 m=9
